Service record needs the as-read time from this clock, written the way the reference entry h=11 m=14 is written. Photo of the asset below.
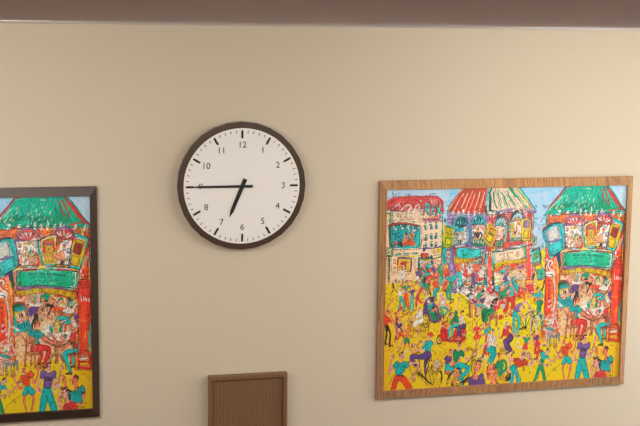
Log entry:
h=6 m=45
